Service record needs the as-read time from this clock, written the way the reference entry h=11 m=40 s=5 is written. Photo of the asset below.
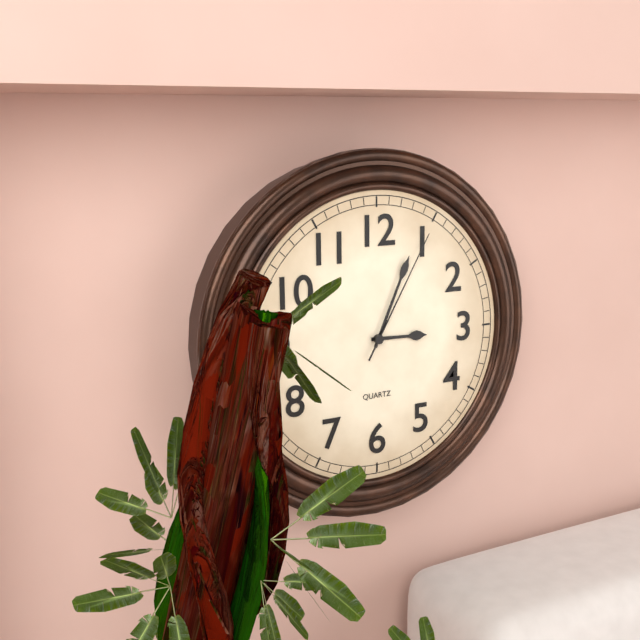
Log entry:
h=3 m=4 s=5
